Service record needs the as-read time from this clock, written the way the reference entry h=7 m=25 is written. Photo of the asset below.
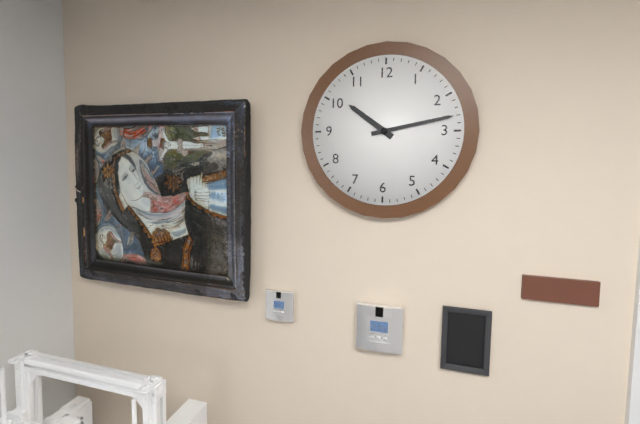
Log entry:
h=10 m=13
